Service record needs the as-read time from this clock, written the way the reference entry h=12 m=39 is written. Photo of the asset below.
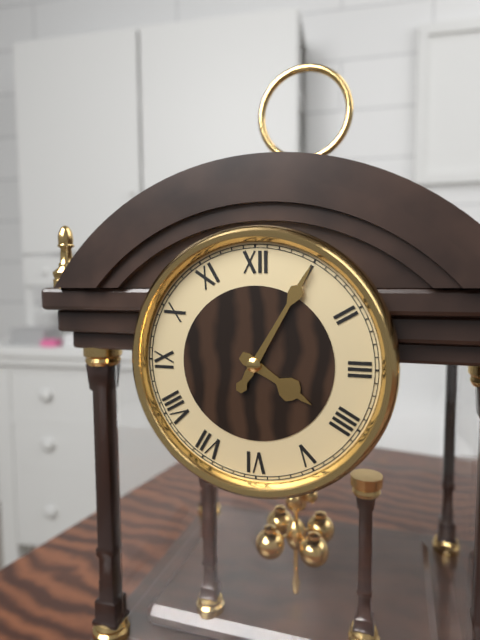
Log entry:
h=4 m=5
